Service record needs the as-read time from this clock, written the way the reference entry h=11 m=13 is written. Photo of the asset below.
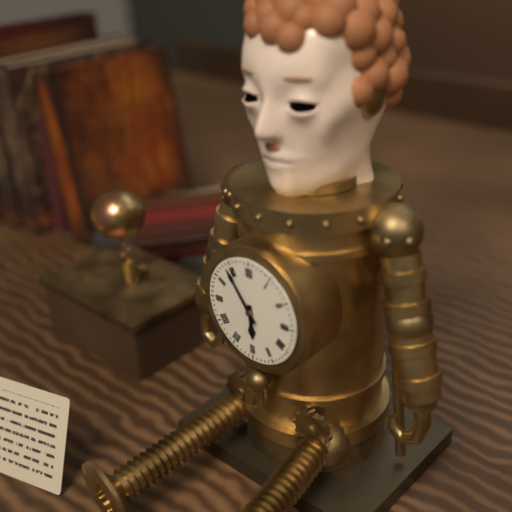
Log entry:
h=5 m=54
